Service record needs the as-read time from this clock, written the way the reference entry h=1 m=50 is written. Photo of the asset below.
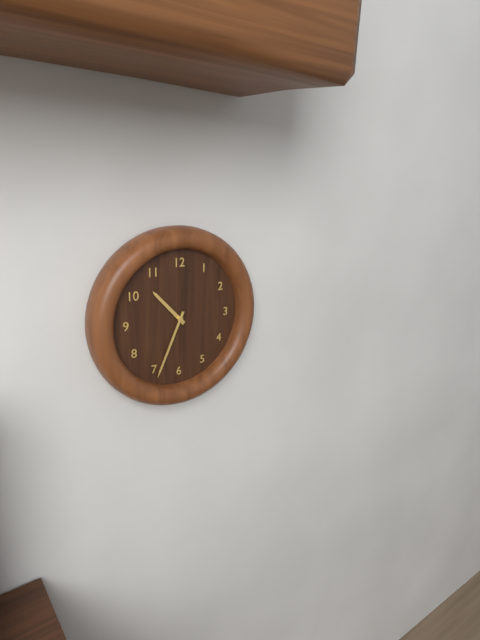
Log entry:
h=10 m=34
